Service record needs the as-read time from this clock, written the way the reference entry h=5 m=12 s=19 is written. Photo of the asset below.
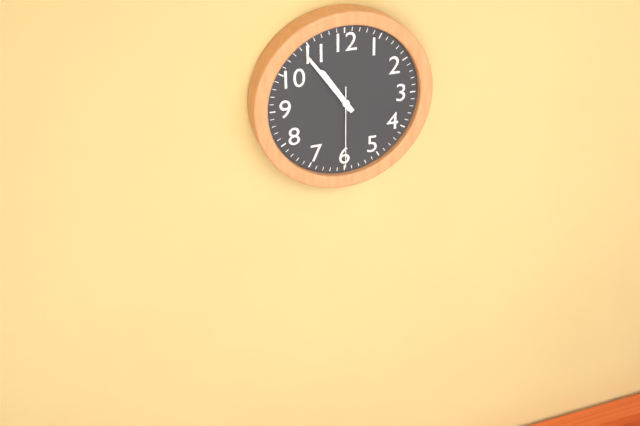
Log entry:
h=10 m=54 s=30
